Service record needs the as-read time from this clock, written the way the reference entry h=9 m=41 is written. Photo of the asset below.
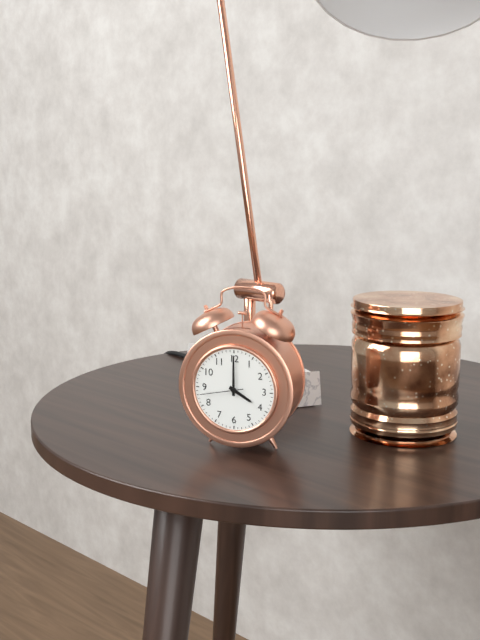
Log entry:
h=4 m=0
